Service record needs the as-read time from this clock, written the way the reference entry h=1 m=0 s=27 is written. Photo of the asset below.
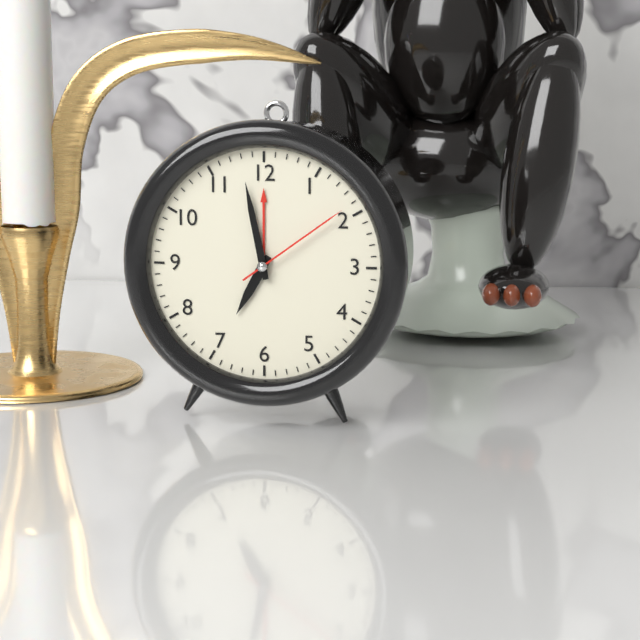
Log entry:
h=6 m=58 s=9
